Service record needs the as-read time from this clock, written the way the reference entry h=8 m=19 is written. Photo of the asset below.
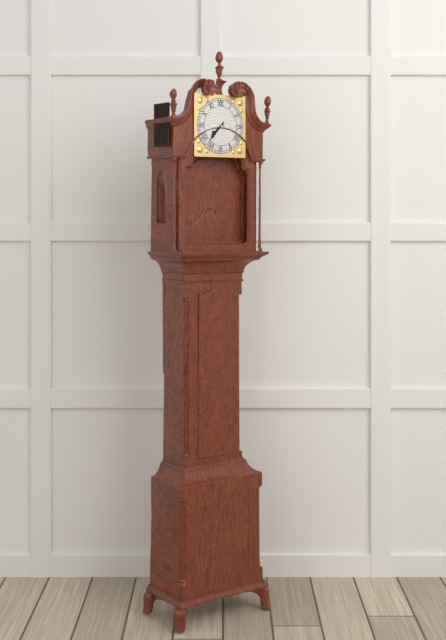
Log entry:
h=7 m=37
